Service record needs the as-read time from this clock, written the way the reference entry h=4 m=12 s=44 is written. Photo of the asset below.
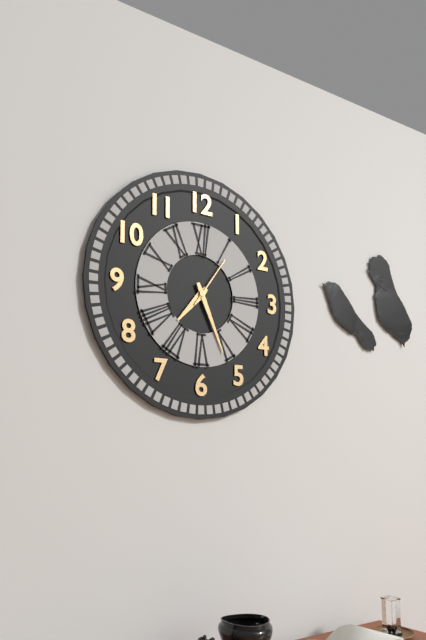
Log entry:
h=7 m=26 s=6
